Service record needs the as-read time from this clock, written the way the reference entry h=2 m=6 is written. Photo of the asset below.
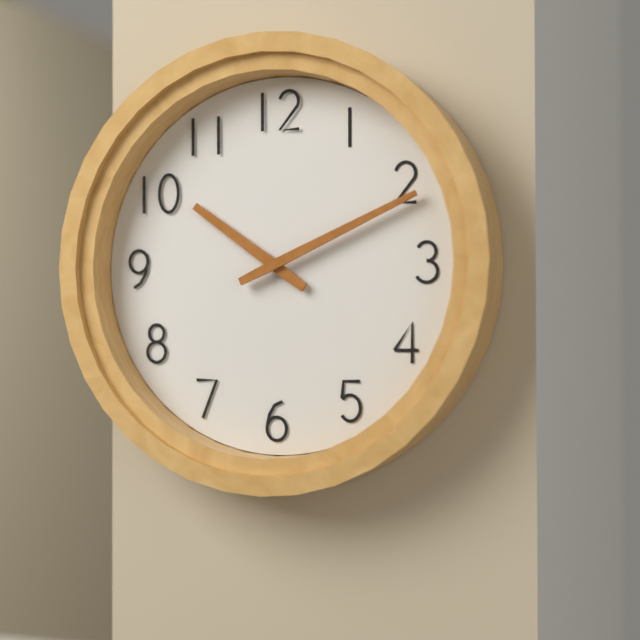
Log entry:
h=10 m=11
